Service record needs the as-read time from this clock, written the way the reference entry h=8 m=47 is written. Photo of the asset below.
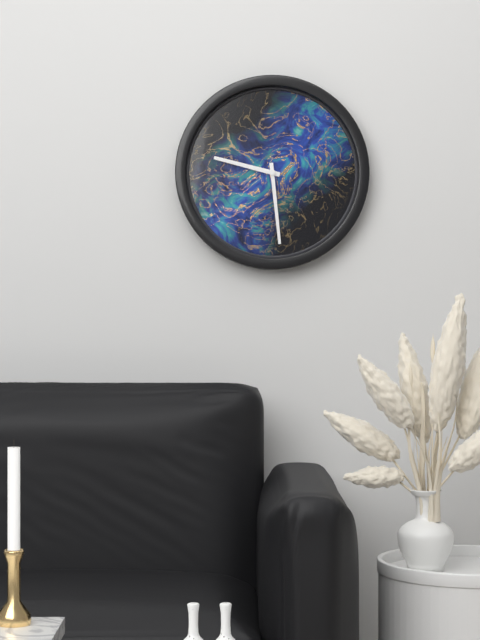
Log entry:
h=9 m=29
